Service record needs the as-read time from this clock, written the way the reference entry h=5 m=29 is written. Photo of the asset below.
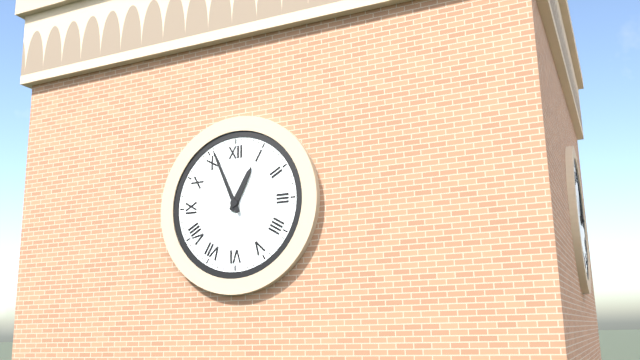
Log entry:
h=12 m=56
